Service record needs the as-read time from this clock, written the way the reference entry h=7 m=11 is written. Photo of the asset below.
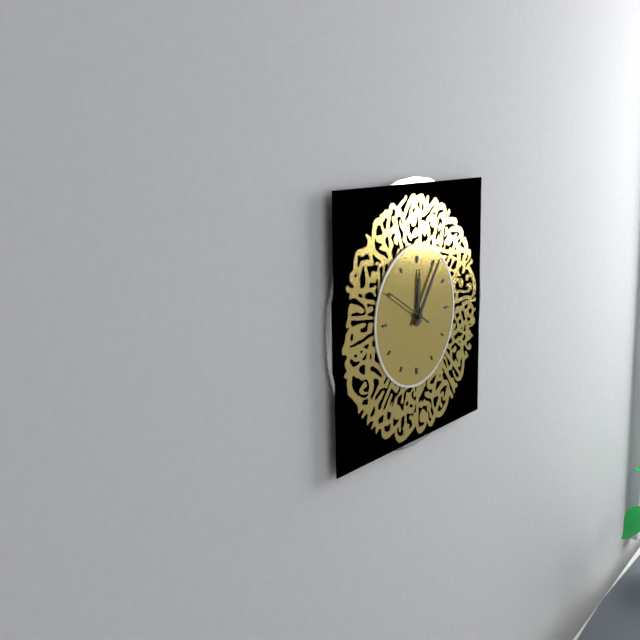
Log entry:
h=12 m=6
